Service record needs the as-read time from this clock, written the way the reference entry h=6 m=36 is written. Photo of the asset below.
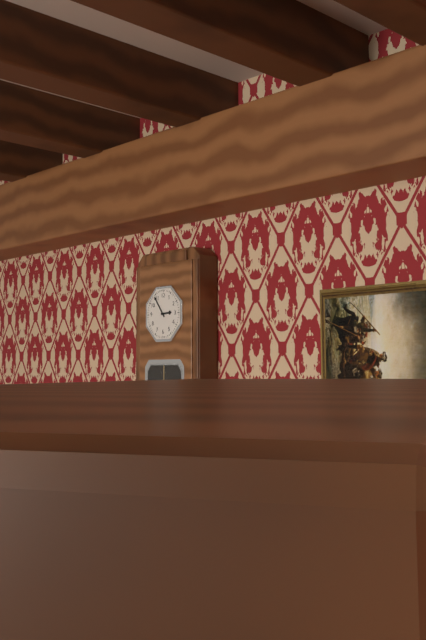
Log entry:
h=2 m=54
